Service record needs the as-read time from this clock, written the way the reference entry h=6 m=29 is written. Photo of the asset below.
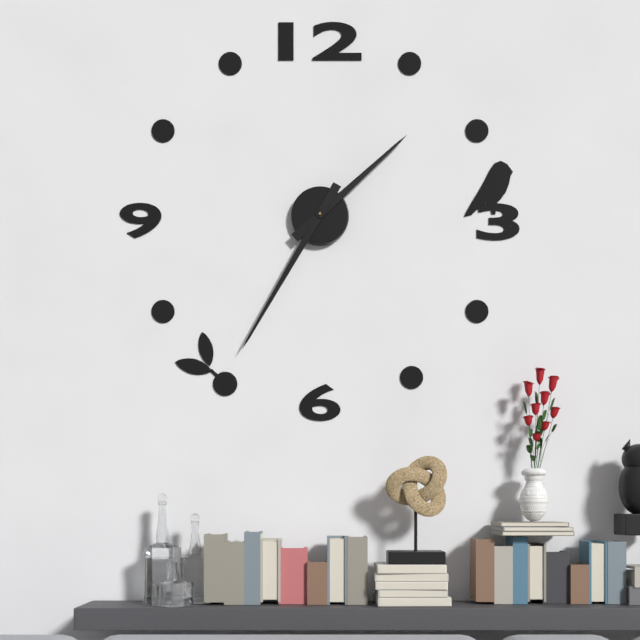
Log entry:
h=1 m=35
